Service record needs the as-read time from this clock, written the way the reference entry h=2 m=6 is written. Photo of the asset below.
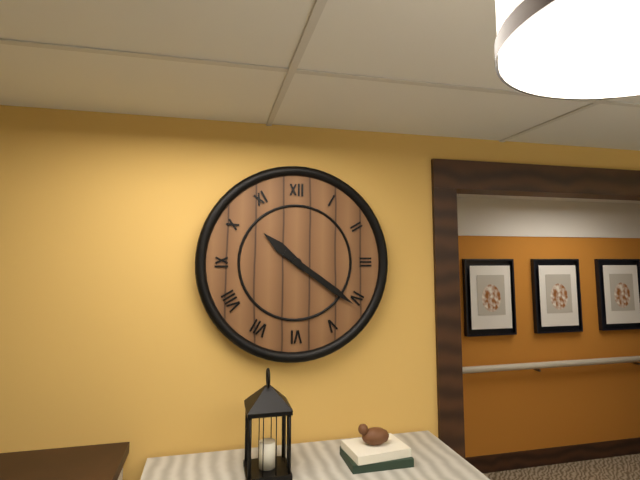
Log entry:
h=10 m=21
